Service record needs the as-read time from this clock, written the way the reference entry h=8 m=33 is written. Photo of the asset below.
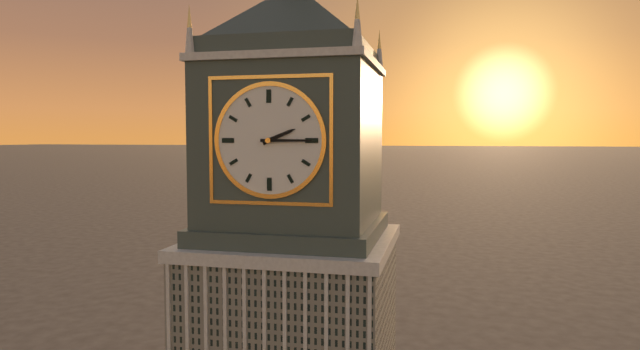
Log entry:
h=2 m=15
